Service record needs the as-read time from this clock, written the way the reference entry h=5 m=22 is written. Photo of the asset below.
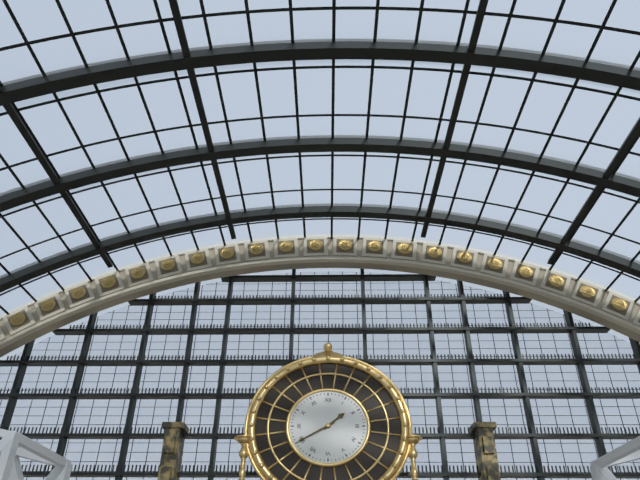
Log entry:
h=1 m=40
